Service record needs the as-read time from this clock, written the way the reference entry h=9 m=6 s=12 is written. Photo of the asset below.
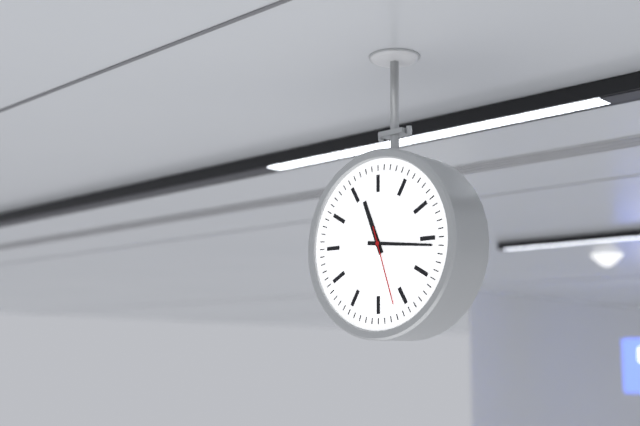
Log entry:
h=11 m=16 s=27
